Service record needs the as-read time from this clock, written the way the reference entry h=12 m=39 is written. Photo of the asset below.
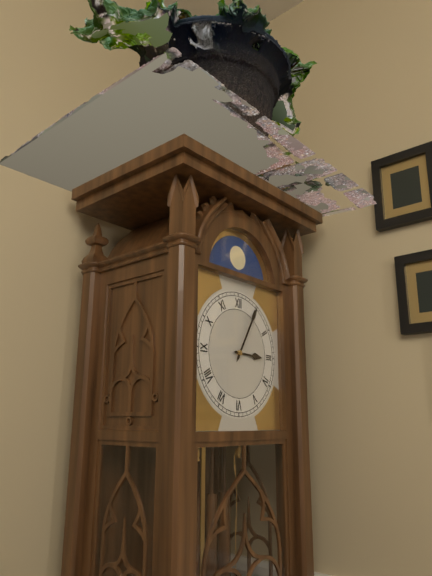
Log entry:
h=3 m=5
